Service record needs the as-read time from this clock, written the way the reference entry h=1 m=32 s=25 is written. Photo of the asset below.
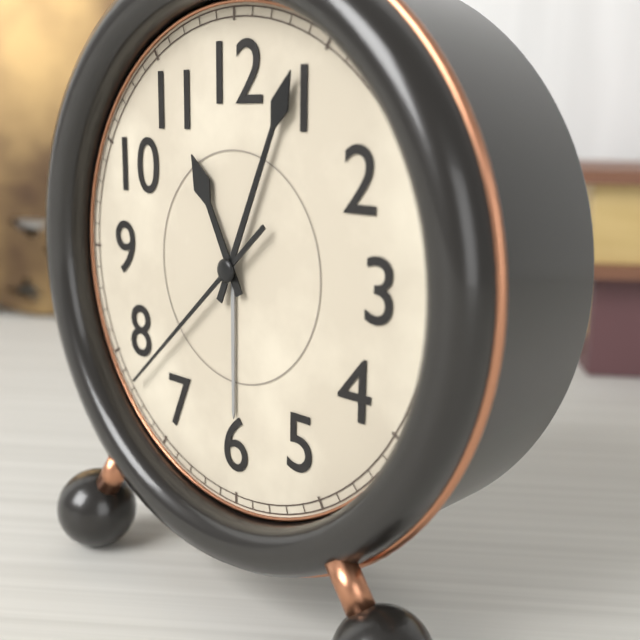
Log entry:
h=11 m=4 s=38
